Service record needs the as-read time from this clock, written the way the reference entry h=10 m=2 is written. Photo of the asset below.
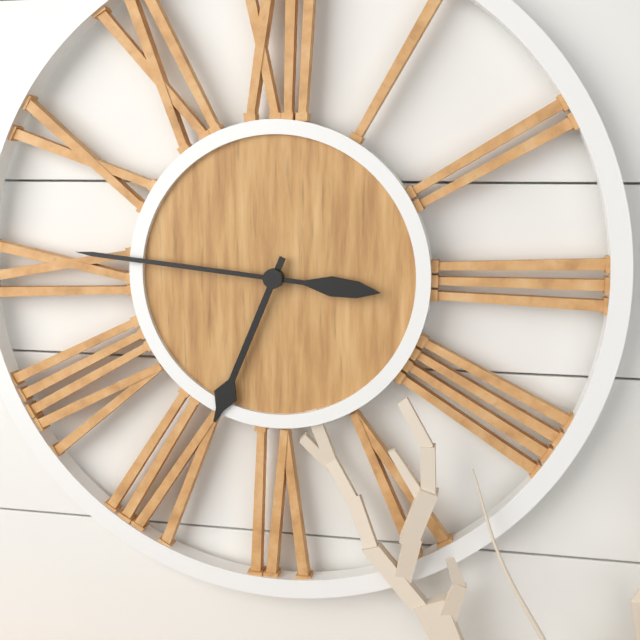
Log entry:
h=6 m=46
